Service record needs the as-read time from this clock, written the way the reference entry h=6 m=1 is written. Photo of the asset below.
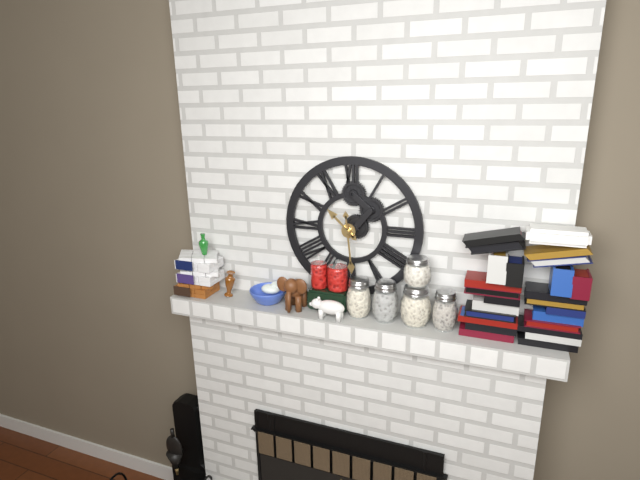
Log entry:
h=10 m=29
